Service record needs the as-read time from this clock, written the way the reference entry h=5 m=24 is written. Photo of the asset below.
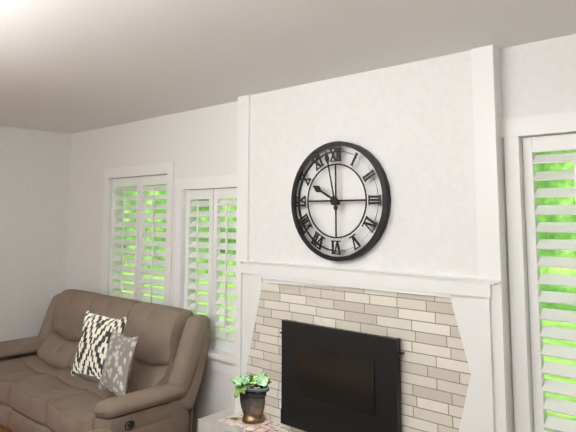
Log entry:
h=9 m=58
